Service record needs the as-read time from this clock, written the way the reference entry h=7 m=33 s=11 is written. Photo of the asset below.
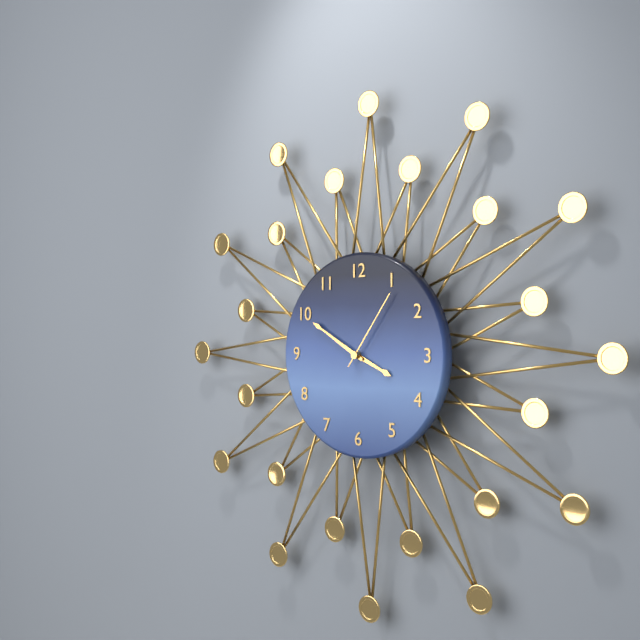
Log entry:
h=3 m=50 s=6
